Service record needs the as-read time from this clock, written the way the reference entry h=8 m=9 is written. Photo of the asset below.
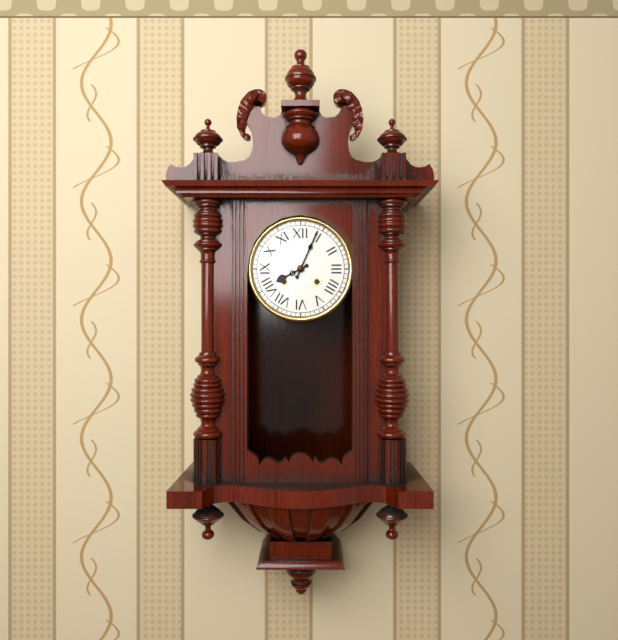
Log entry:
h=8 m=4
